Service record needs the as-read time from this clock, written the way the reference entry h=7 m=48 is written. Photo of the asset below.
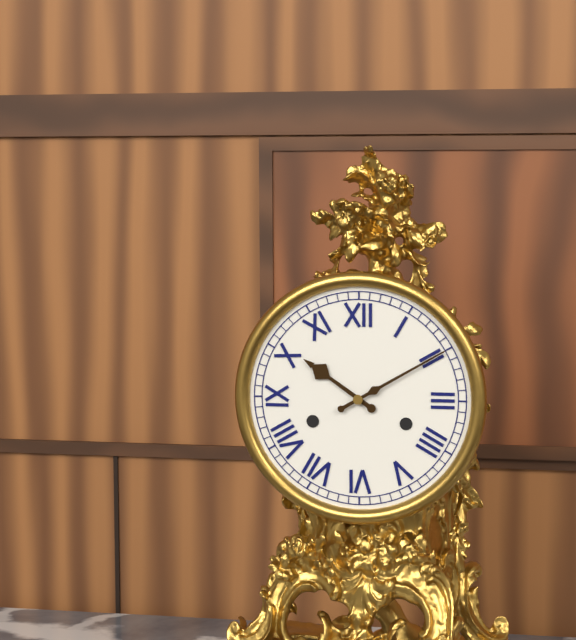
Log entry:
h=10 m=10
